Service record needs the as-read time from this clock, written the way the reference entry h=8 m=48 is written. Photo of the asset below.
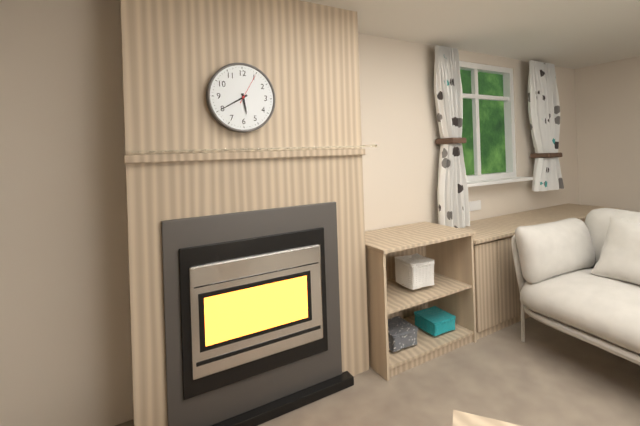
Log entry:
h=5 m=40
